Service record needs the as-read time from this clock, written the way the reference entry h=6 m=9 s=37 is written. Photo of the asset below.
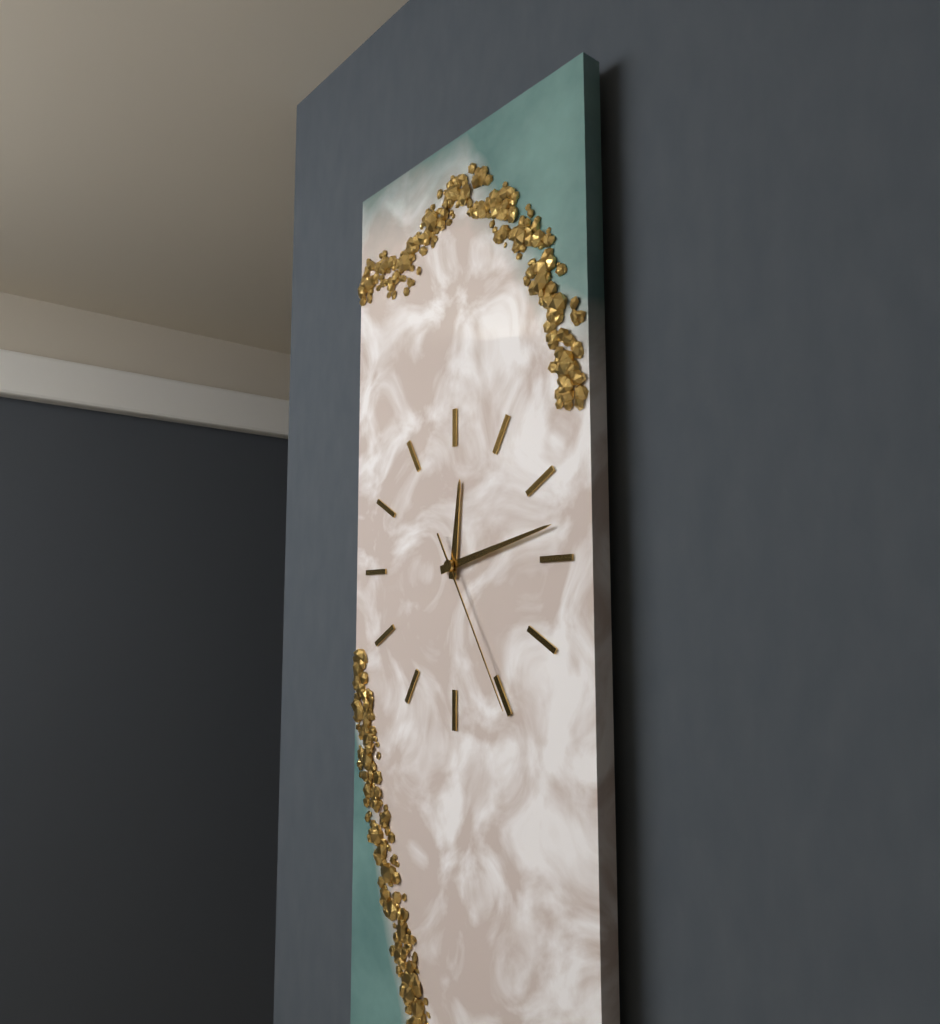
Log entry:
h=12 m=13 s=25
